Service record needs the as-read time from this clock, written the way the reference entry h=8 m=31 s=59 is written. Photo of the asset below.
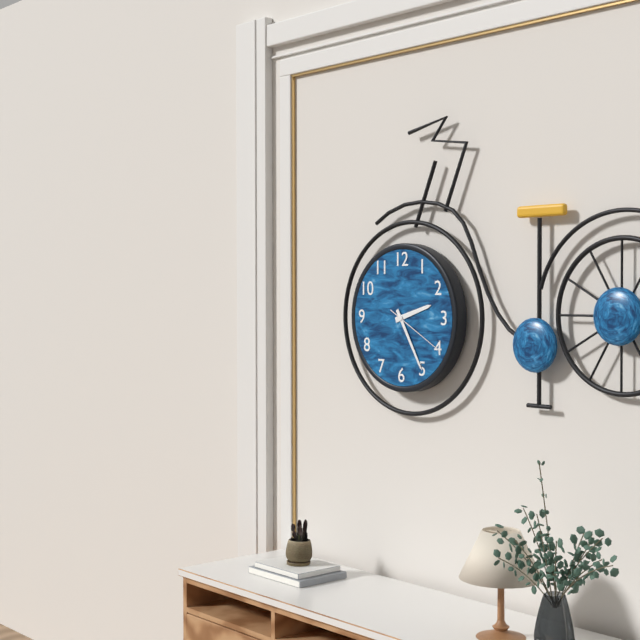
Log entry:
h=2 m=25 s=20
